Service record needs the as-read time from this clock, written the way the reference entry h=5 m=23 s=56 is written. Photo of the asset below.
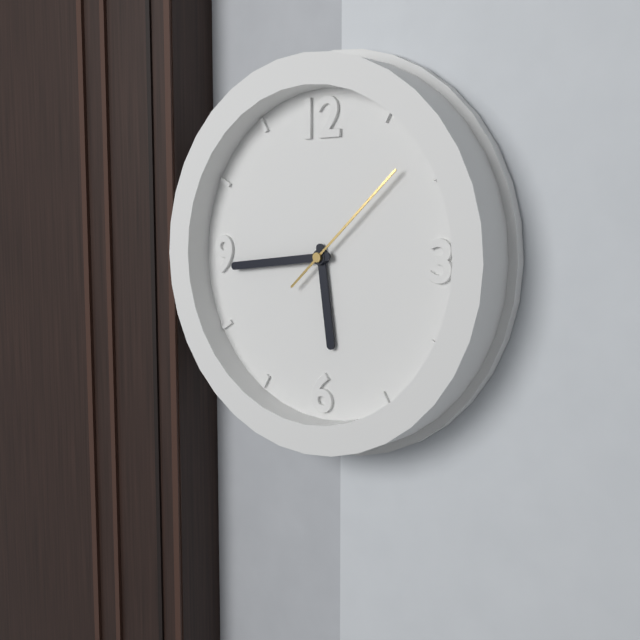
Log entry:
h=5 m=44 s=8
